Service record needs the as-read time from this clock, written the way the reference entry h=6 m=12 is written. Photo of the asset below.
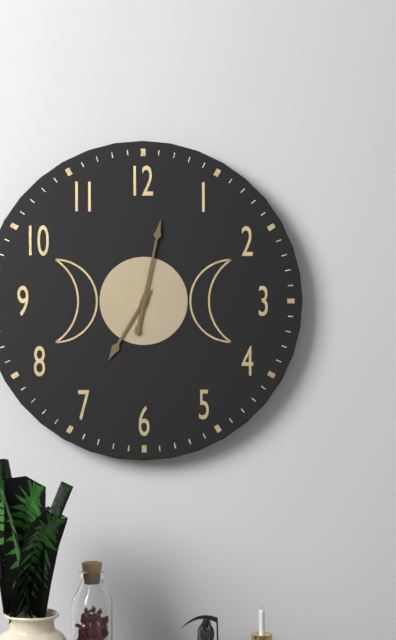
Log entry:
h=7 m=2
